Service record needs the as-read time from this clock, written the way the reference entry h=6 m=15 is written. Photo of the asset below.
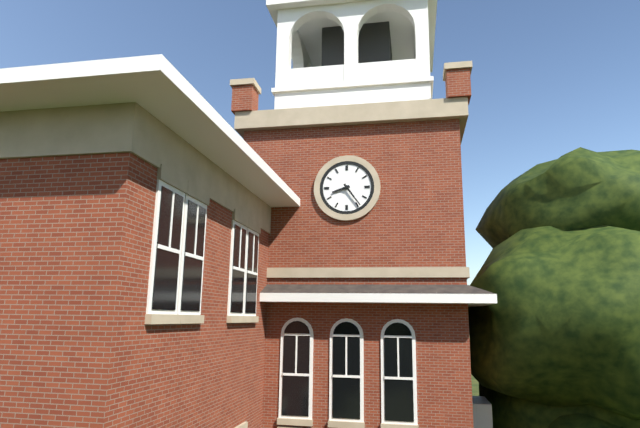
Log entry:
h=8 m=24
